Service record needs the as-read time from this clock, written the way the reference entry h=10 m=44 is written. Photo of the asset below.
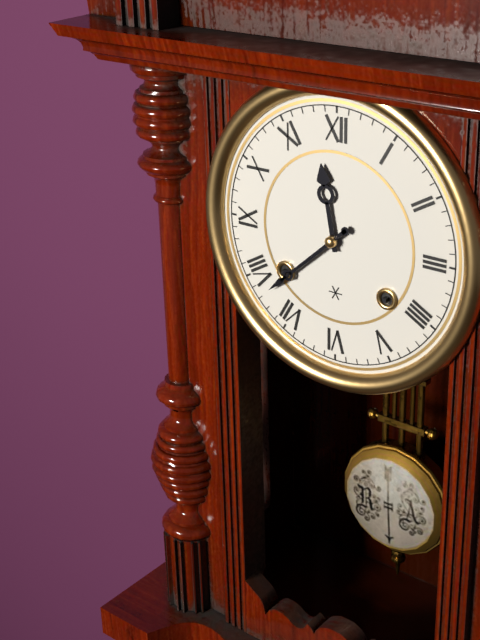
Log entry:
h=11 m=38
